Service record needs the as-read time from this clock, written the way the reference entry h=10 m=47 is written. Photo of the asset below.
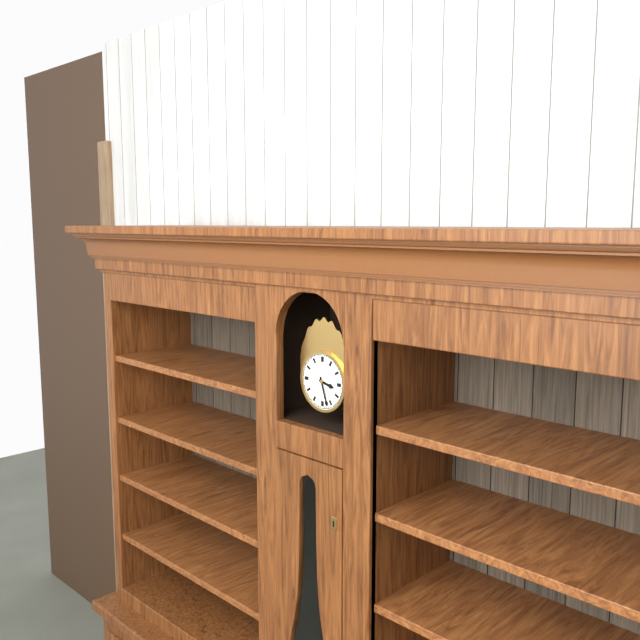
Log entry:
h=3 m=27
